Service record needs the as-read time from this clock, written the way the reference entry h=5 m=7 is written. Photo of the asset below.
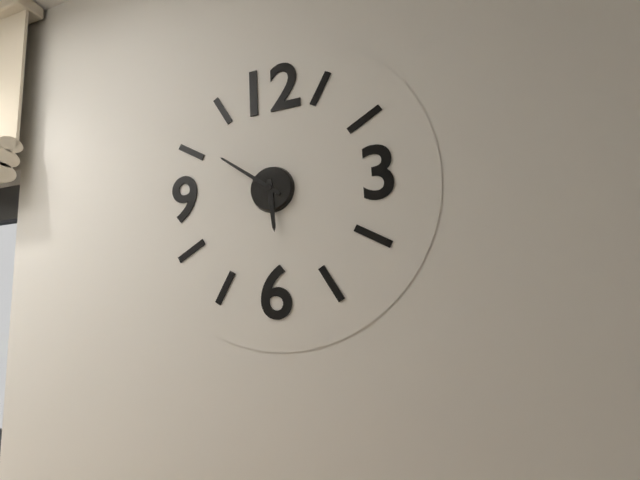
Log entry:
h=5 m=51
